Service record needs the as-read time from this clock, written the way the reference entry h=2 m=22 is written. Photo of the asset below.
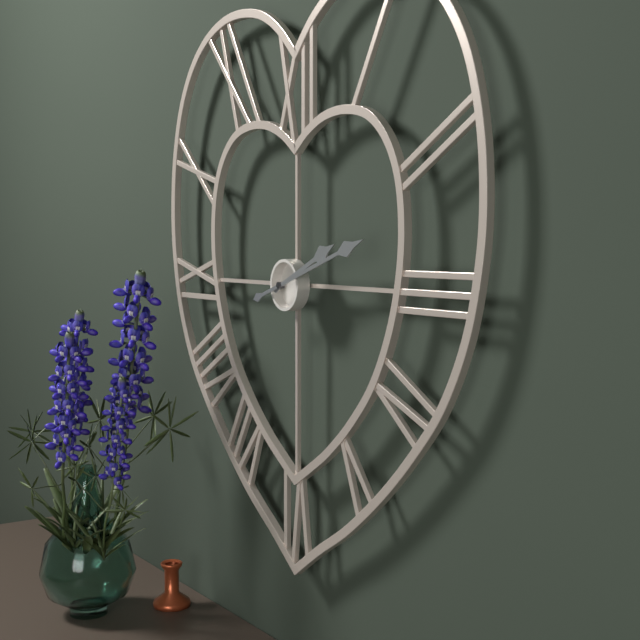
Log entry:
h=2 m=12
